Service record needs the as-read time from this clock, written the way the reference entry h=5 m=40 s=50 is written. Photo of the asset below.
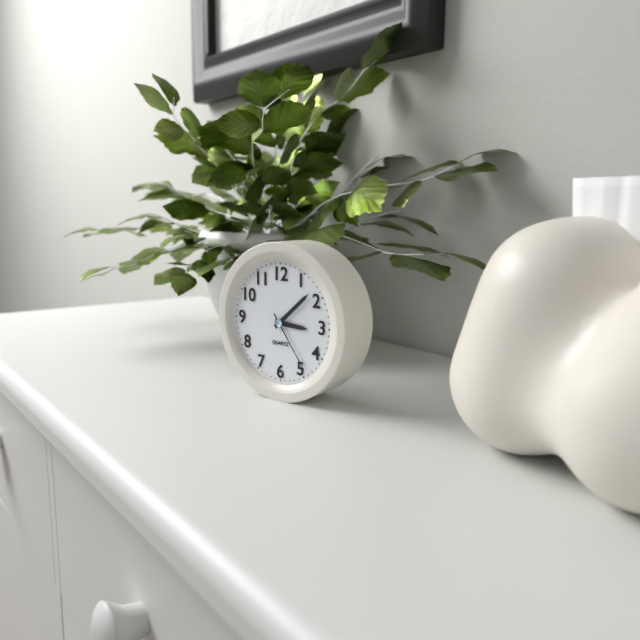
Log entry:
h=3 m=8 s=24
